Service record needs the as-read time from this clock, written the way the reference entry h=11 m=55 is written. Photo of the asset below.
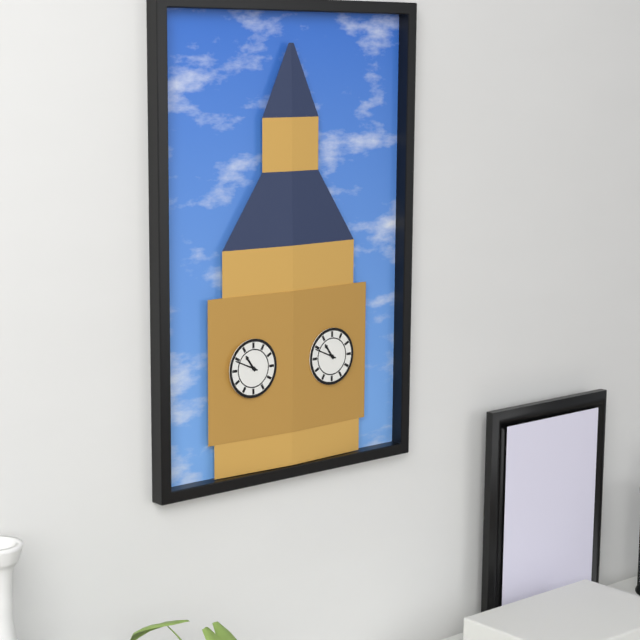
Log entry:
h=10 m=49
